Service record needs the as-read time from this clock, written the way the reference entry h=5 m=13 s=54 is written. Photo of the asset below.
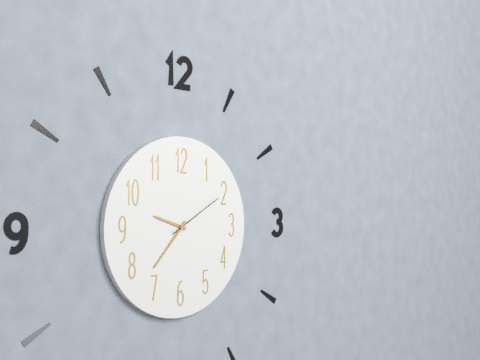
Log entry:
h=9 m=37 s=10
